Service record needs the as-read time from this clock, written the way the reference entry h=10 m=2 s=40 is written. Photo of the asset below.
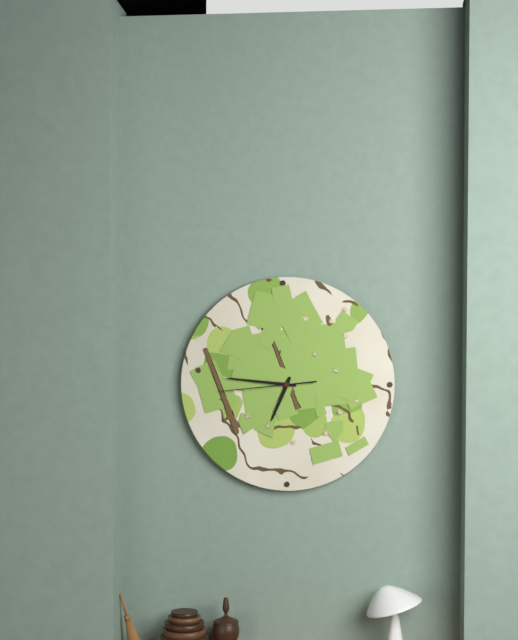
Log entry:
h=6 m=46 s=44
